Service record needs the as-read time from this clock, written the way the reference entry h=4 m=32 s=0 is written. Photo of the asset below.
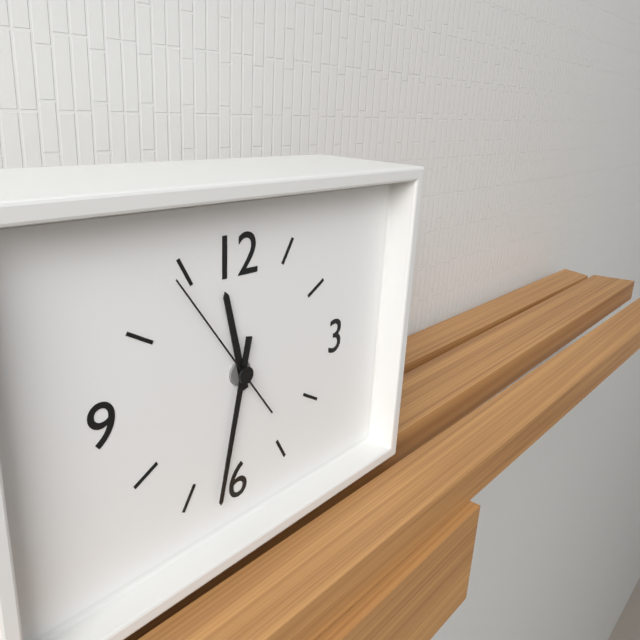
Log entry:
h=11 m=32 s=54
